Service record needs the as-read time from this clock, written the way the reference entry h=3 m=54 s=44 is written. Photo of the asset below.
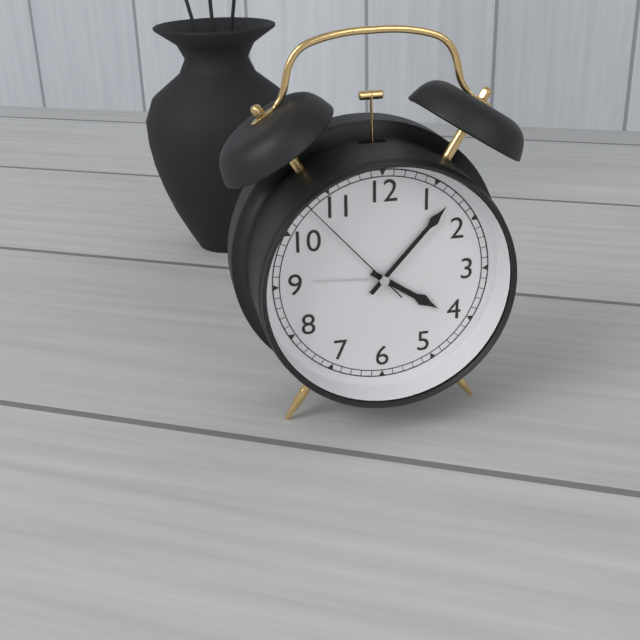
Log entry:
h=4 m=7 s=53
